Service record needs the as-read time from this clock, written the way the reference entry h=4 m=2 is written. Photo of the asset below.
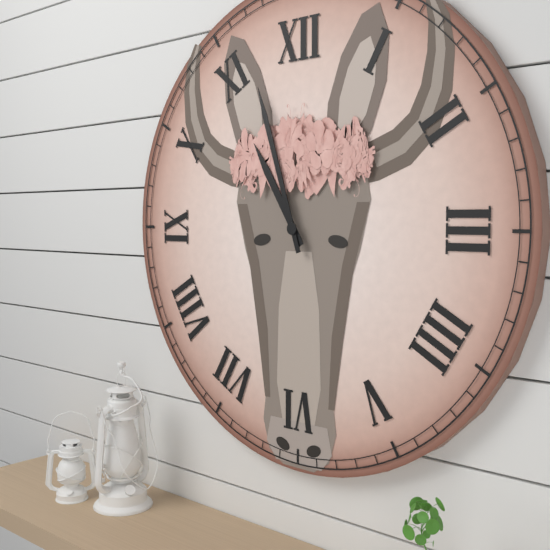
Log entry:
h=10 m=57
